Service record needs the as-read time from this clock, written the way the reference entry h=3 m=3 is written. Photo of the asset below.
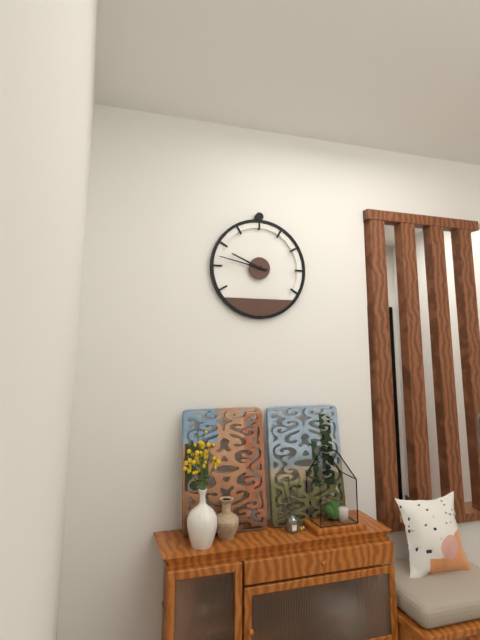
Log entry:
h=9 m=47
